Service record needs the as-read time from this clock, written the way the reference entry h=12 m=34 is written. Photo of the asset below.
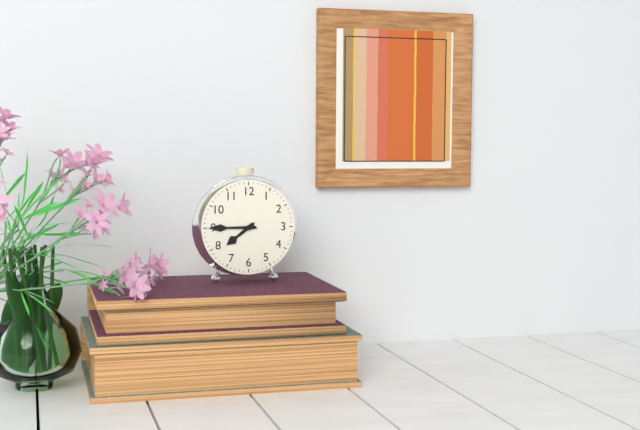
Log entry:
h=7 m=45
